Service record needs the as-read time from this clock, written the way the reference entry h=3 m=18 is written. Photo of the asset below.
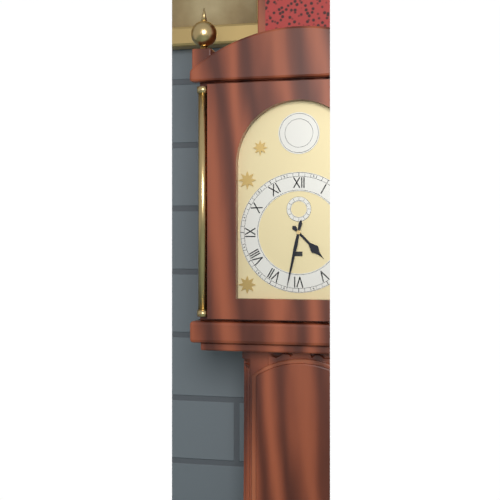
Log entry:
h=4 m=32
